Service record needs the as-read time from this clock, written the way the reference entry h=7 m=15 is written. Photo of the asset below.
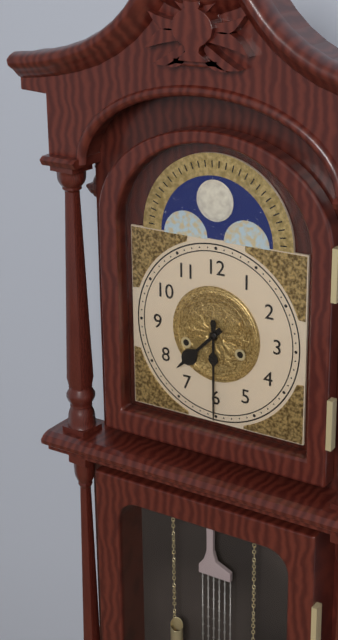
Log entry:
h=7 m=30
